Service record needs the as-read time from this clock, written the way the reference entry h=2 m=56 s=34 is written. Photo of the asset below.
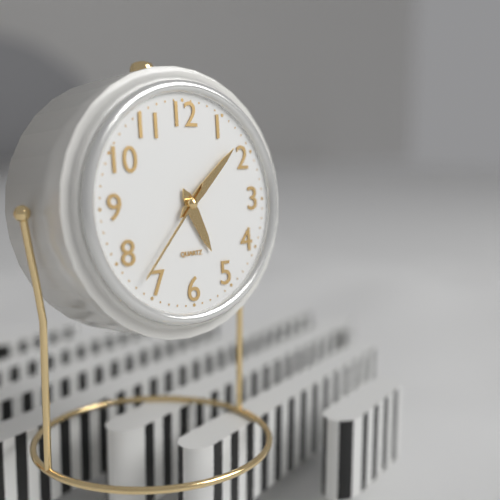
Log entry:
h=5 m=8 s=37
